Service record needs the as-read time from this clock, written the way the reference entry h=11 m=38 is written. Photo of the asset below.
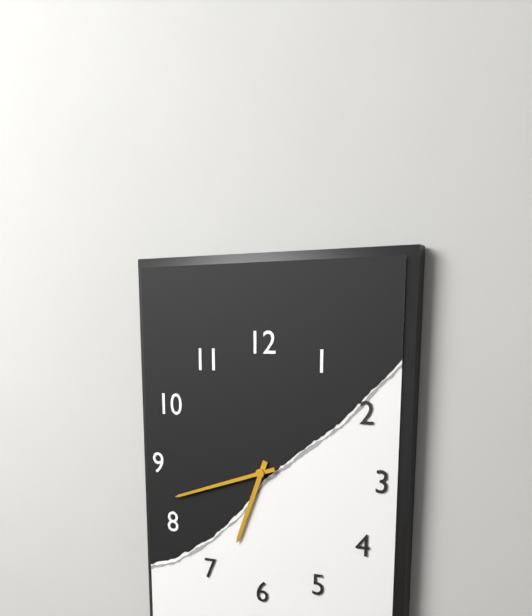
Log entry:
h=6 m=42
